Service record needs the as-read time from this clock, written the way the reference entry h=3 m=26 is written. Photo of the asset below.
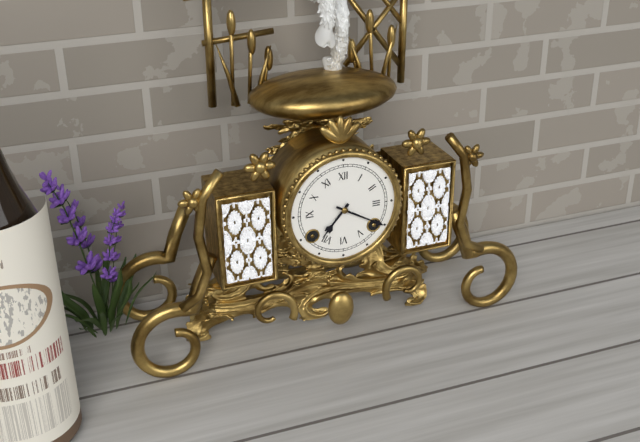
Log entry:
h=7 m=20
